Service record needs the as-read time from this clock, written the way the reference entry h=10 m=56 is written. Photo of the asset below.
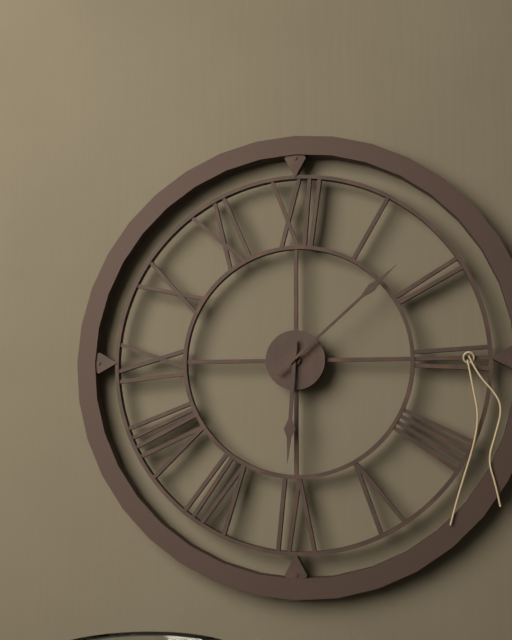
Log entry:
h=6 m=8
